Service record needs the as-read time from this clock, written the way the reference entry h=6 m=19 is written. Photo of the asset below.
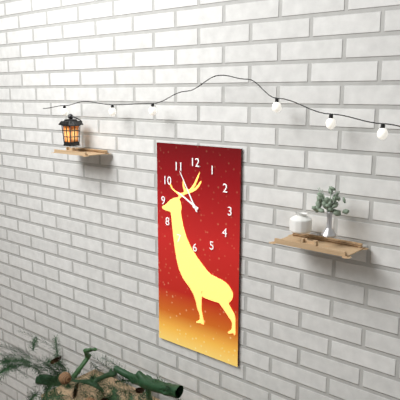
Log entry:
h=9 m=55
